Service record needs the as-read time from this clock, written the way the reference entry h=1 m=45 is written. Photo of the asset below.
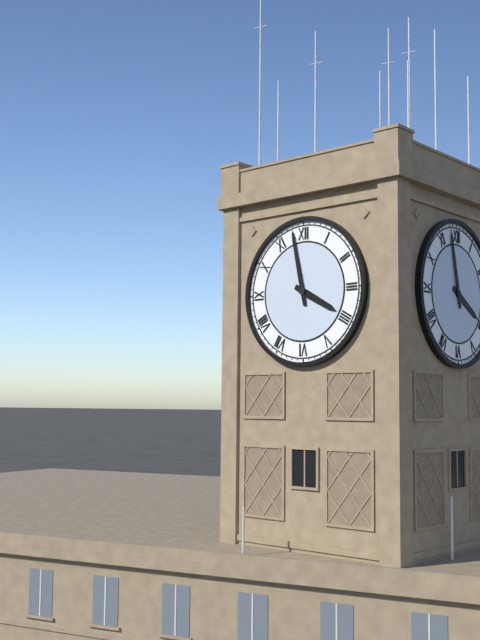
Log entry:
h=3 m=58
